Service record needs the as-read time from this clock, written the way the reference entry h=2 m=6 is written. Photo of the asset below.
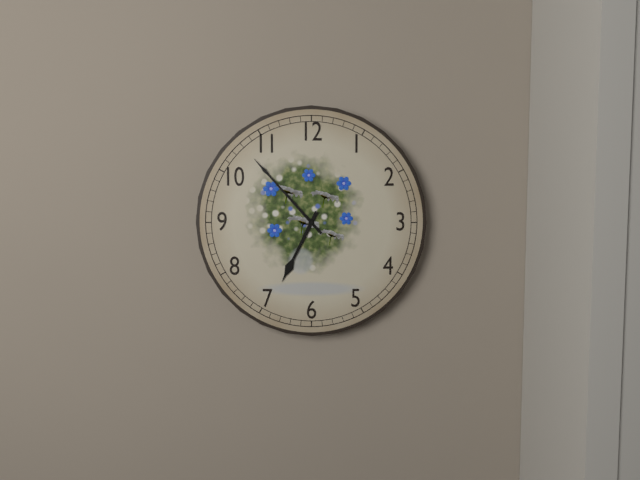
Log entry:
h=6 m=53
